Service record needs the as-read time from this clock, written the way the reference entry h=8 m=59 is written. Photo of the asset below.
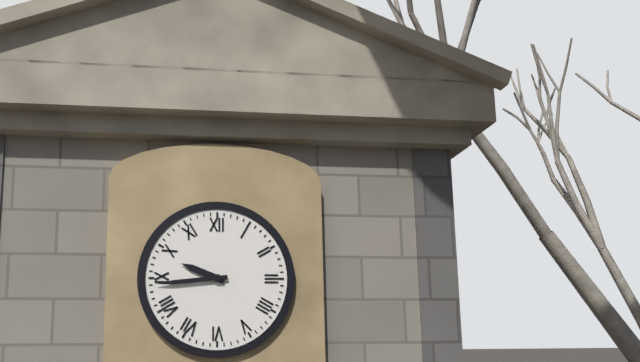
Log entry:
h=9 m=44
